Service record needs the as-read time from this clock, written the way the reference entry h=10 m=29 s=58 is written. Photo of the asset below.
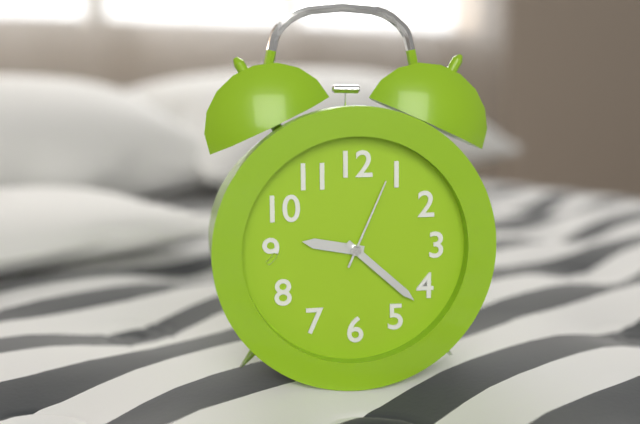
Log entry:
h=9 m=22 s=4
